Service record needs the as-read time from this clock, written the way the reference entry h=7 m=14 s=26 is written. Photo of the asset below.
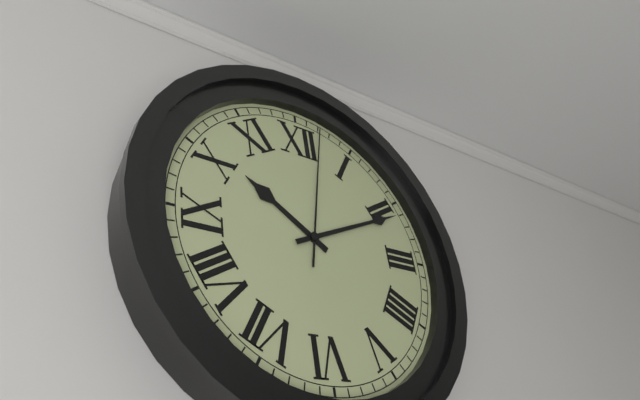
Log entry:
h=10 m=11 s=2
